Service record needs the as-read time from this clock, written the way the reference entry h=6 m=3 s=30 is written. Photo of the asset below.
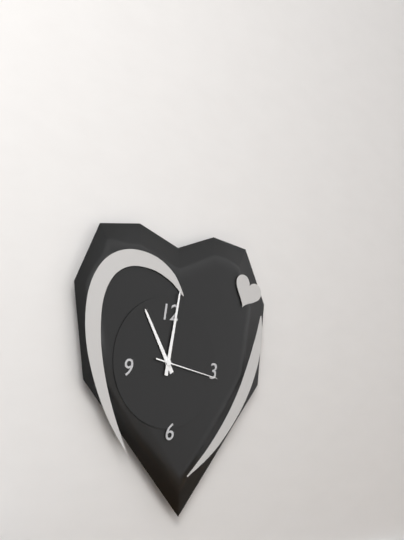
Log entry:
h=11 m=2 s=17
